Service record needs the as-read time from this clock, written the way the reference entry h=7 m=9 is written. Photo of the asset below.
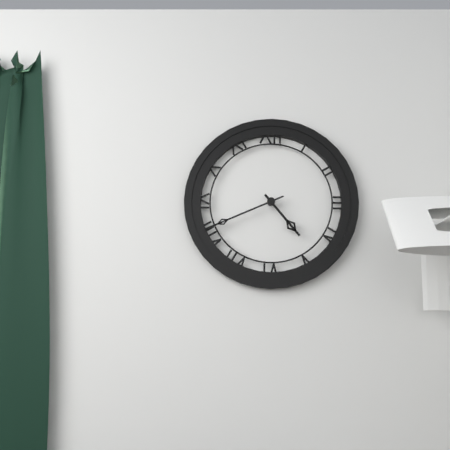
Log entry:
h=4 m=41
